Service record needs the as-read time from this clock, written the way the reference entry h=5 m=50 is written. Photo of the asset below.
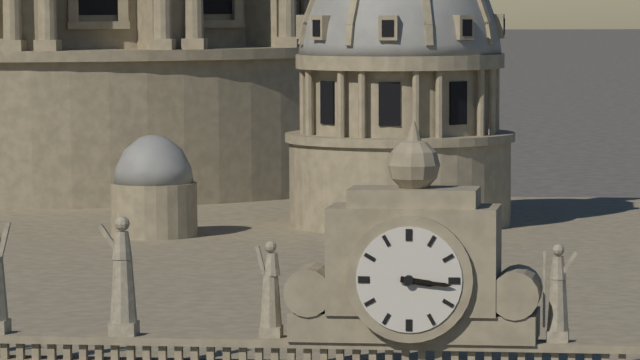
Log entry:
h=3 m=16
